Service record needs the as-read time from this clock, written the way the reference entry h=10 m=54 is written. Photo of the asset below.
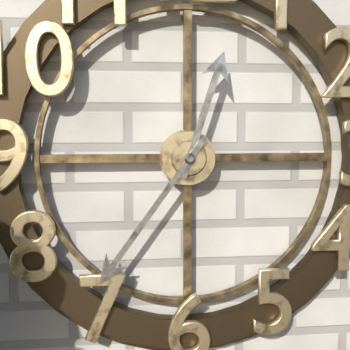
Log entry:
h=12 m=36
